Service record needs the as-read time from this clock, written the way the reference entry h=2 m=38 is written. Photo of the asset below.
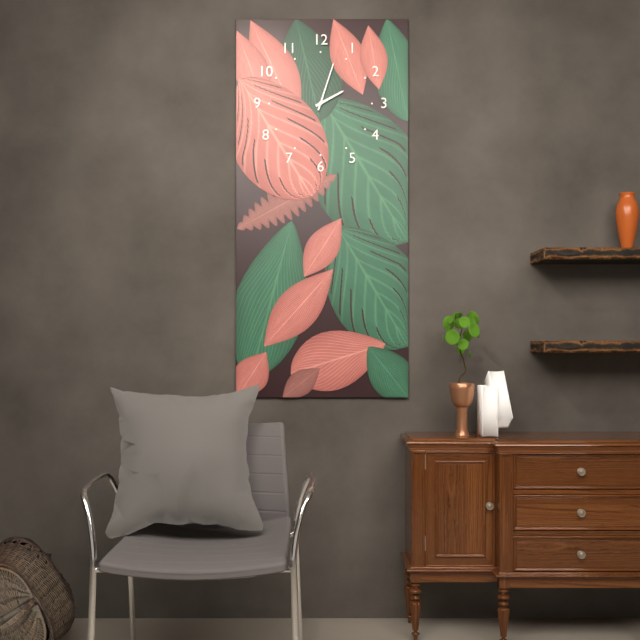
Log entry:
h=2 m=3
